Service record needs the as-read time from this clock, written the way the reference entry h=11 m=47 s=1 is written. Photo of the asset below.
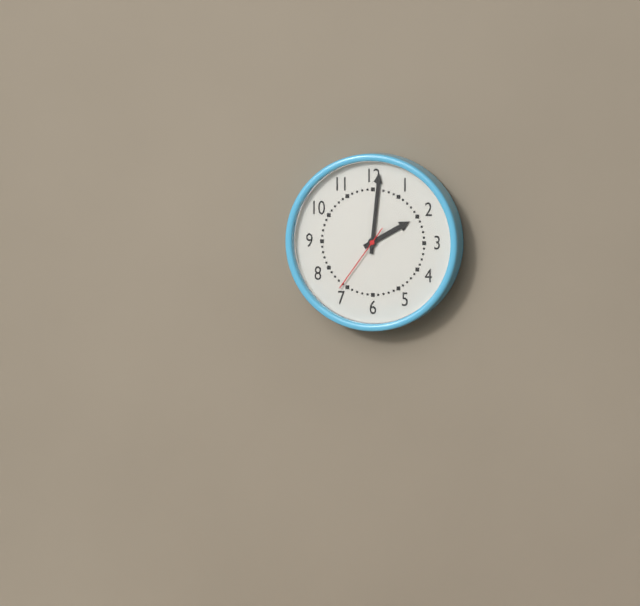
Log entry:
h=2 m=1 s=36
